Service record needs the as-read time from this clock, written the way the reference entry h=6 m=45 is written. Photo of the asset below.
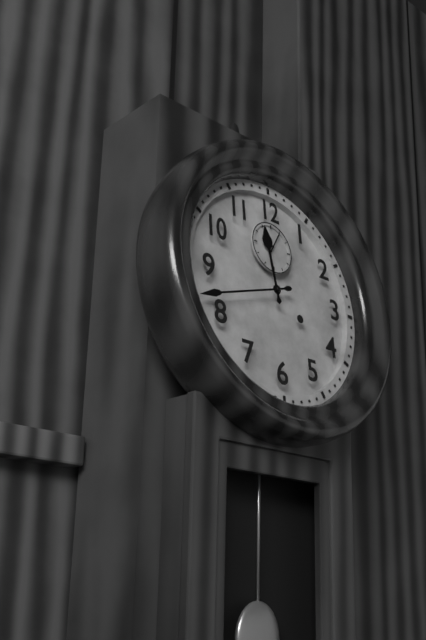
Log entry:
h=11 m=42
